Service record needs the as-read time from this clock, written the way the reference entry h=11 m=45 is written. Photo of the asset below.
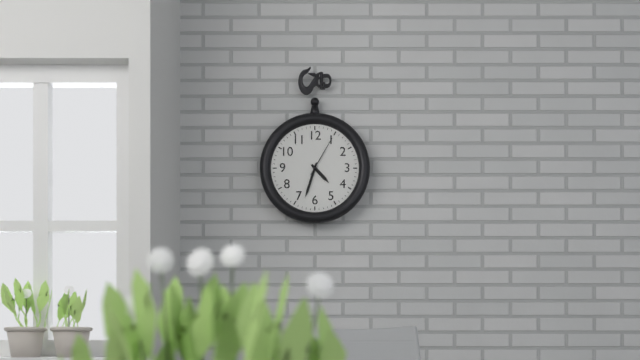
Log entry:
h=4 m=33
